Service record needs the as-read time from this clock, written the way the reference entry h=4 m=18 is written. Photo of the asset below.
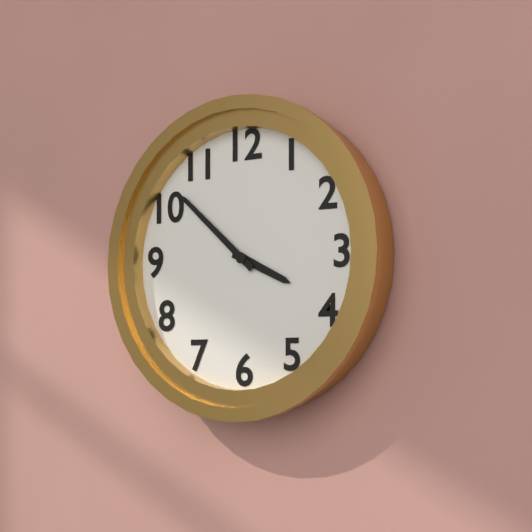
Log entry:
h=3 m=52
